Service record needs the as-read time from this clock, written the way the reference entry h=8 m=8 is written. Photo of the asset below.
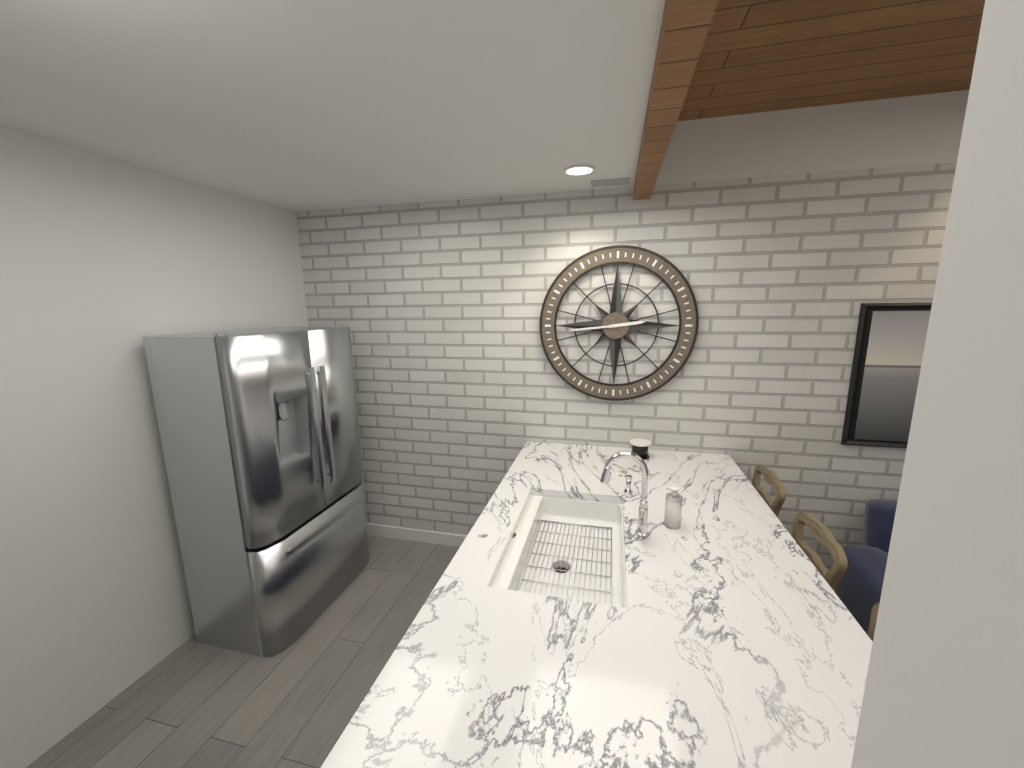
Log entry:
h=2 m=44
